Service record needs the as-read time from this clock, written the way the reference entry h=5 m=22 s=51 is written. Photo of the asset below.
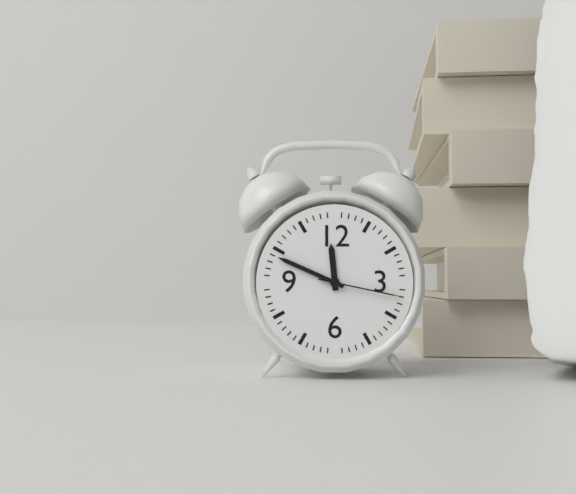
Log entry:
h=11 m=49 s=17
